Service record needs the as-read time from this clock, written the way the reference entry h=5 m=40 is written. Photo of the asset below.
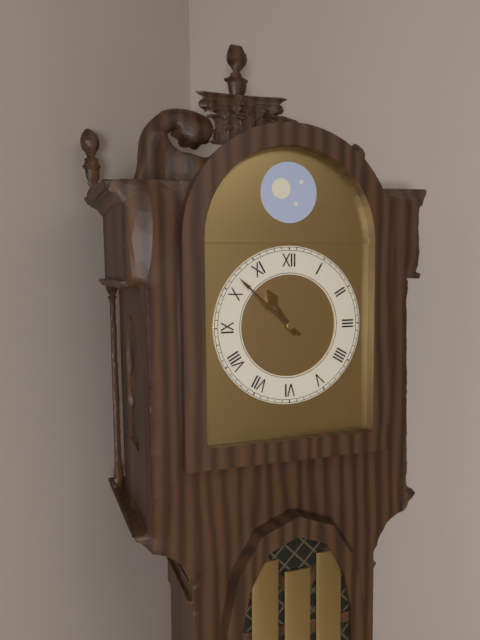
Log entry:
h=10 m=52
